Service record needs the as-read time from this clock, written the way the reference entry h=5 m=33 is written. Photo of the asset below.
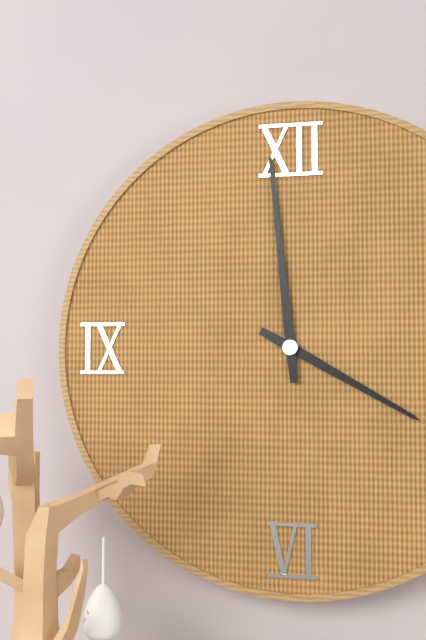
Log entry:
h=3 m=59
